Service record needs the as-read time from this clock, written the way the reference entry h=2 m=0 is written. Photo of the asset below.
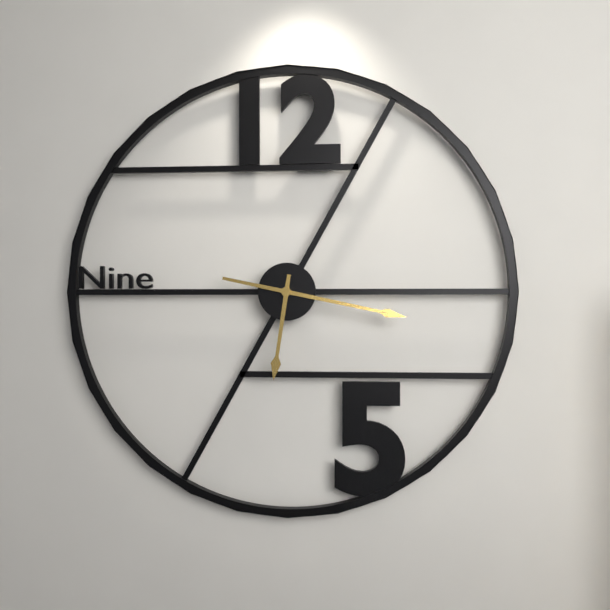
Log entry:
h=6 m=17
